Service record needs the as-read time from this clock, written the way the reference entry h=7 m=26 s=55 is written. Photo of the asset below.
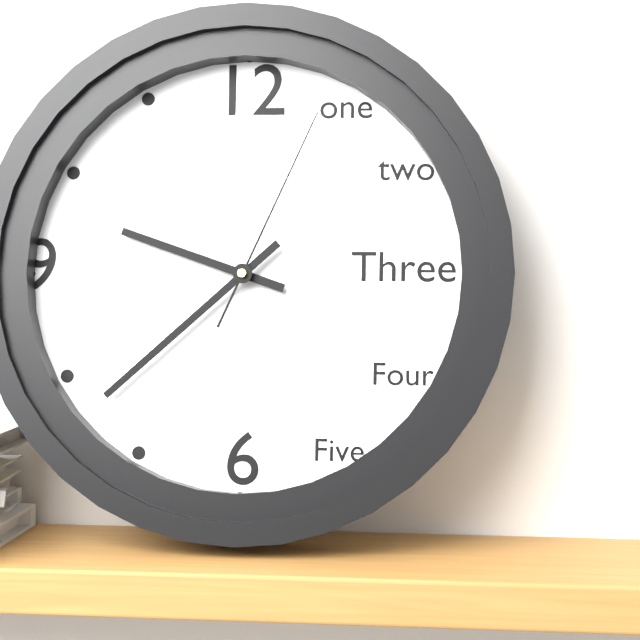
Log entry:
h=9 m=38 s=4
